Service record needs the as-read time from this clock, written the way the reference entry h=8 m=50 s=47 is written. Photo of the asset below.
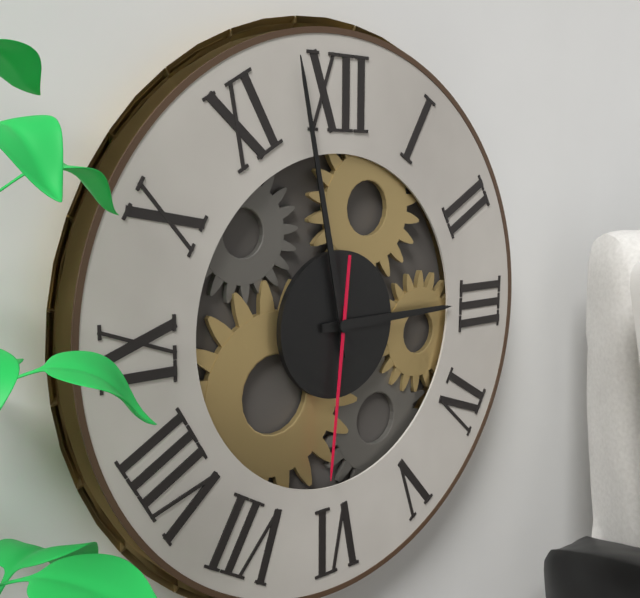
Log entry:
h=2 m=58 s=31
